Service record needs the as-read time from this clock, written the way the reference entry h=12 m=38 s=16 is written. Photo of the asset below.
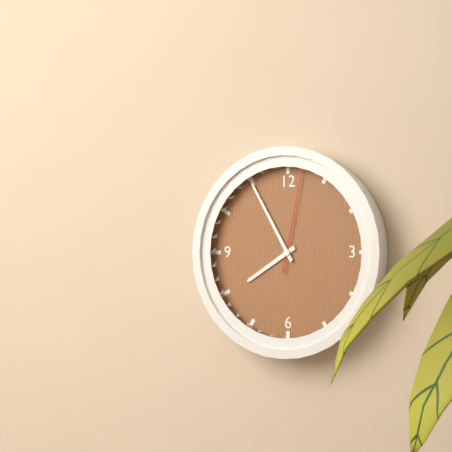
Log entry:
h=7 m=55 s=2
